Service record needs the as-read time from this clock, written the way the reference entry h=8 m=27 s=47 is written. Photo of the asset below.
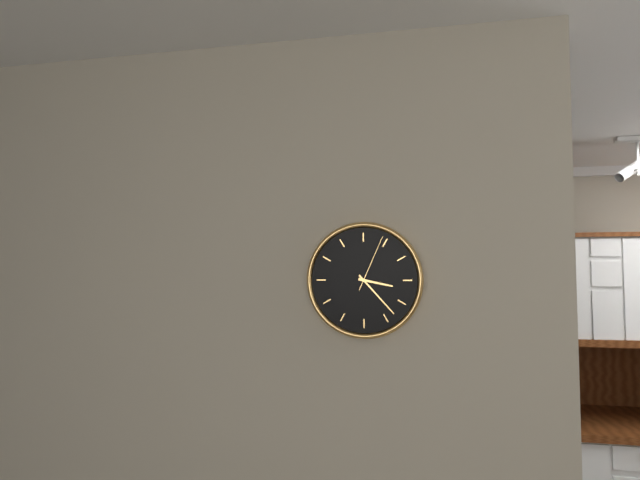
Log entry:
h=3 m=23 s=4
